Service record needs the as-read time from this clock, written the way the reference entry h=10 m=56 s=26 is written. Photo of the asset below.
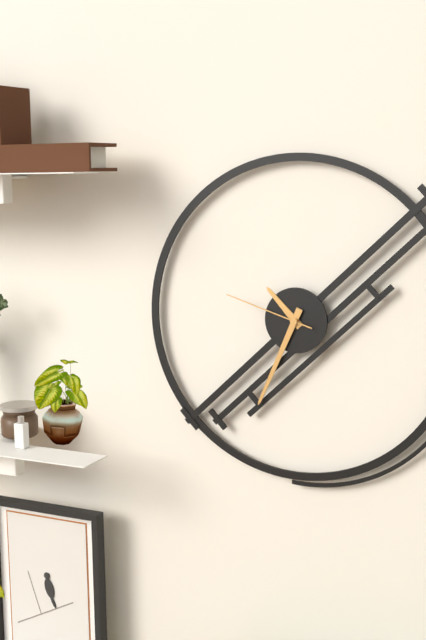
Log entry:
h=10 m=34 s=48
